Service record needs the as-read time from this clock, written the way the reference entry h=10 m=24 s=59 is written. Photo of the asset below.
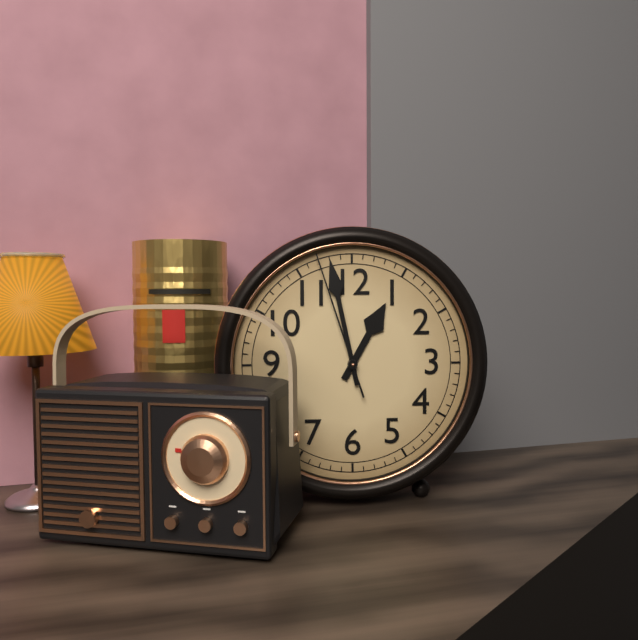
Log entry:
h=12 m=58 s=57
